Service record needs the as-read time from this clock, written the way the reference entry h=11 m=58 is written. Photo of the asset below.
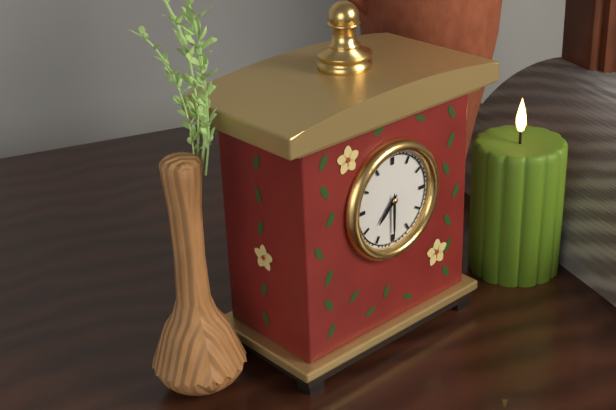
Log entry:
h=7 m=30
